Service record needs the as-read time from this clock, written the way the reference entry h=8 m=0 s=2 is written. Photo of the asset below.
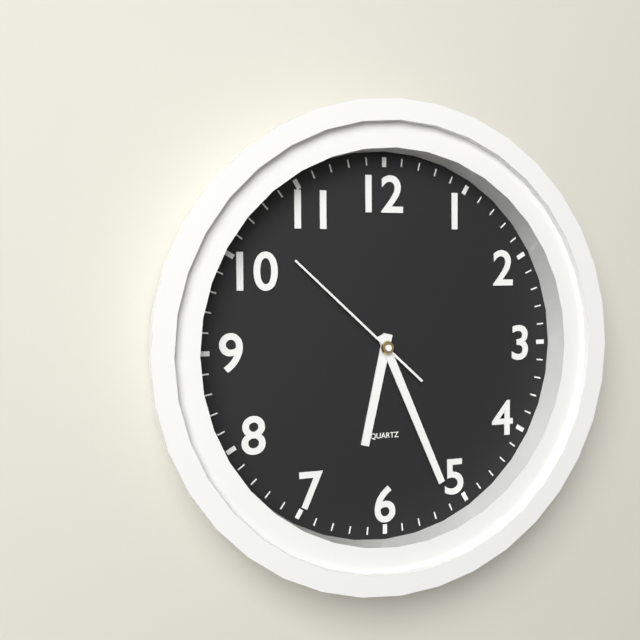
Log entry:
h=6 m=26 s=52
